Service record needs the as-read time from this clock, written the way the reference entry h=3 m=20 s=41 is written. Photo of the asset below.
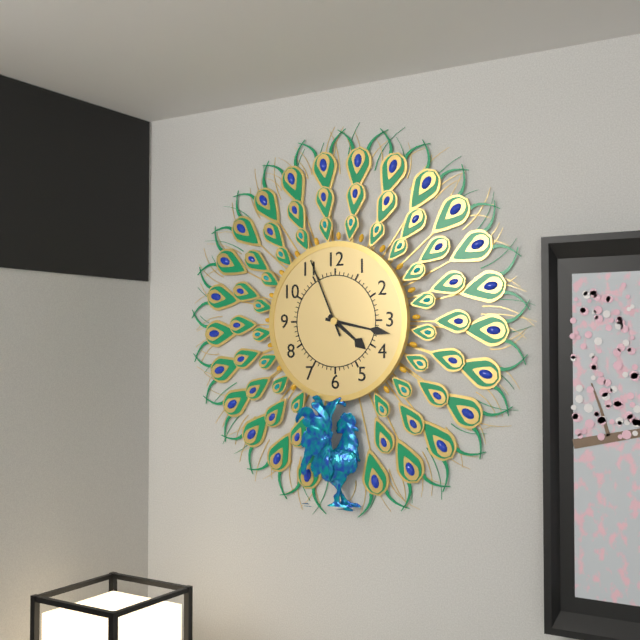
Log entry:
h=4 m=17 s=56
